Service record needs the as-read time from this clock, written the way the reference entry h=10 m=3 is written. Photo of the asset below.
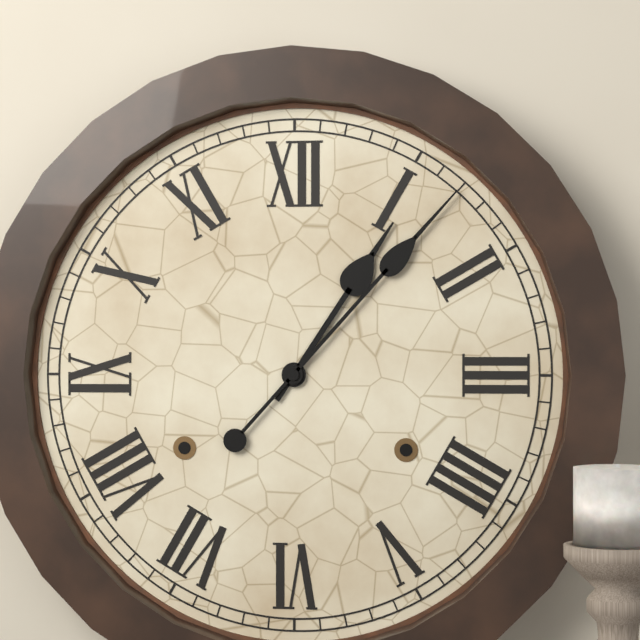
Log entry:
h=1 m=7
